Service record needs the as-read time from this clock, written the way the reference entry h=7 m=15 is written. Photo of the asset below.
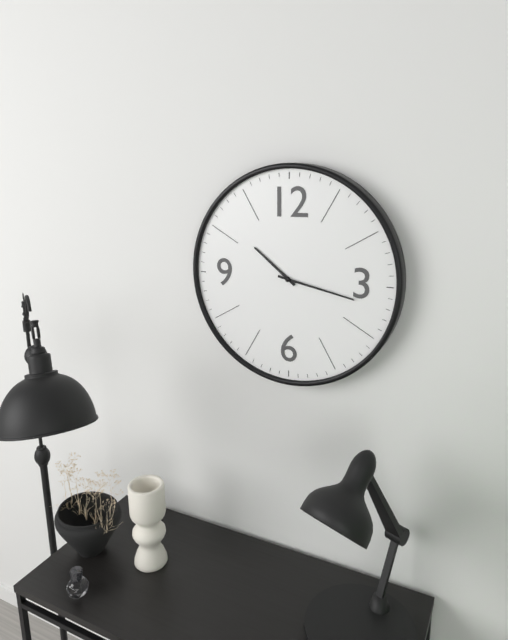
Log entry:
h=10 m=17
